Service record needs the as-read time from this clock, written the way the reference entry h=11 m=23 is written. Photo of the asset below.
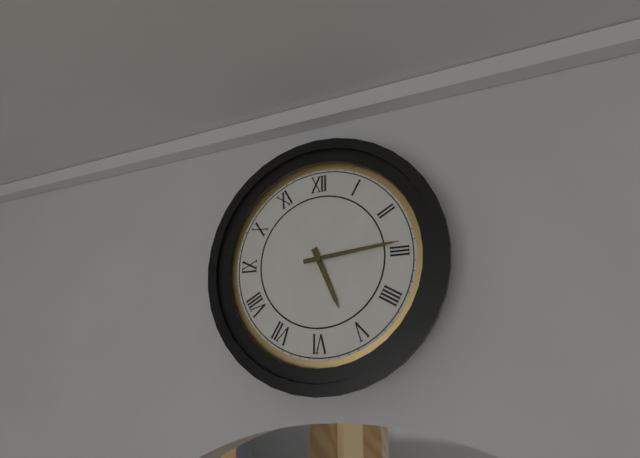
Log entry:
h=5 m=14
